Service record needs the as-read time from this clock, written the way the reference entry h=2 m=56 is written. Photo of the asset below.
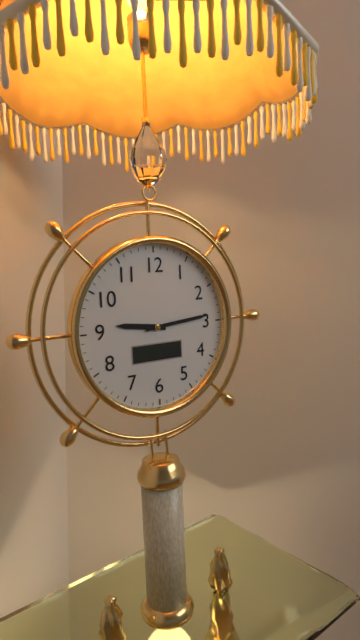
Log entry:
h=9 m=14
